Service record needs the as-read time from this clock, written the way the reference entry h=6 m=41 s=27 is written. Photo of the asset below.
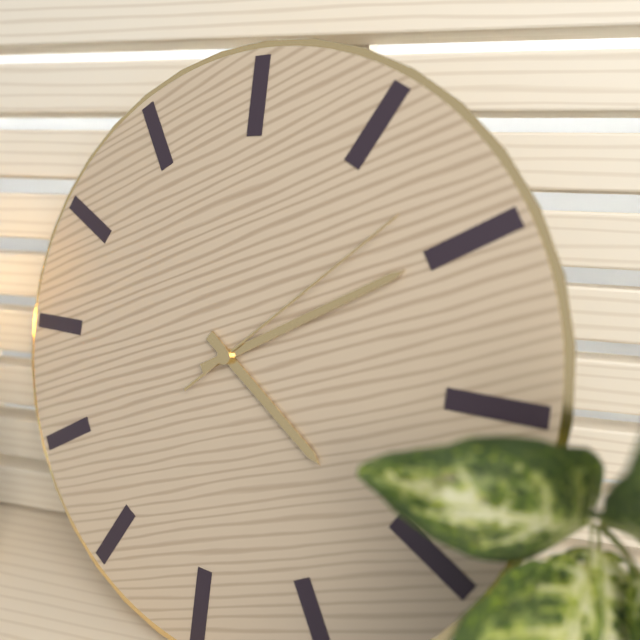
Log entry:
h=4 m=10 s=8
